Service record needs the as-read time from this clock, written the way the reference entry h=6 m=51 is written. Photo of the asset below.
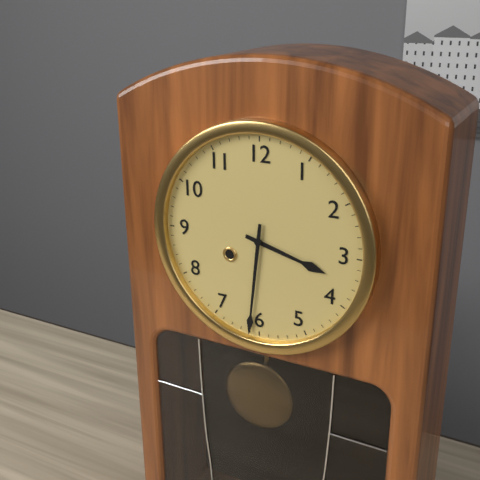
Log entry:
h=3 m=31
